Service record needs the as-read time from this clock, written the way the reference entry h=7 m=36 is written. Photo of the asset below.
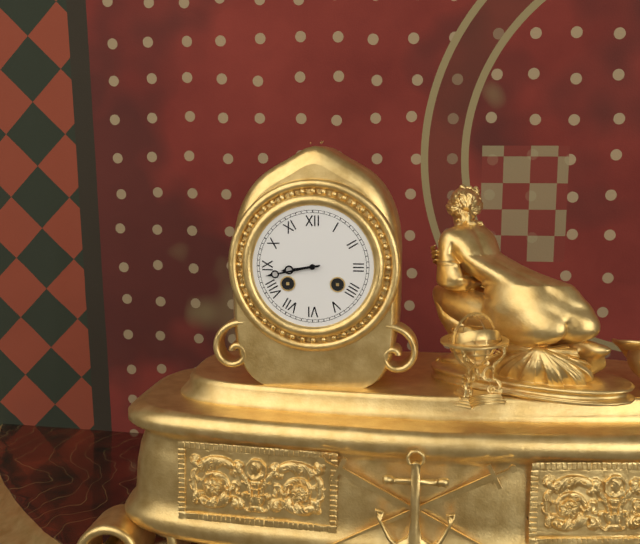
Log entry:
h=8 m=43
